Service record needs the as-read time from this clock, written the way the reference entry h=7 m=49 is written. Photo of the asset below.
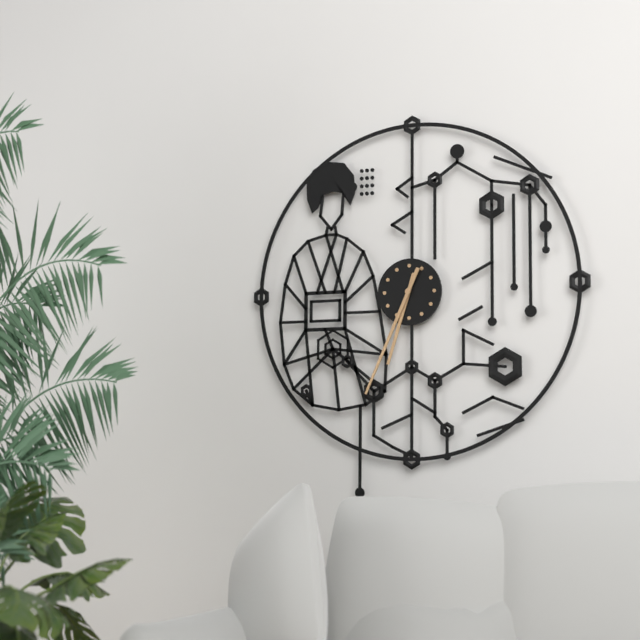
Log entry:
h=6 m=34
